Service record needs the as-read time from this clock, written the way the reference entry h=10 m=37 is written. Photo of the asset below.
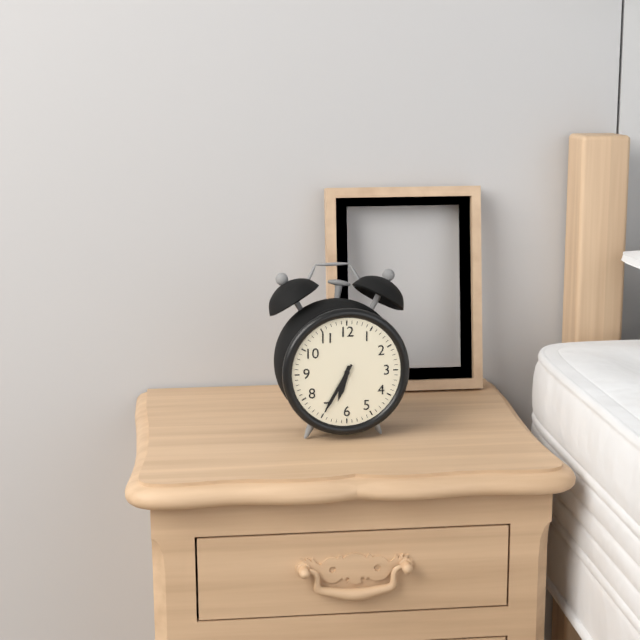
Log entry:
h=6 m=35
